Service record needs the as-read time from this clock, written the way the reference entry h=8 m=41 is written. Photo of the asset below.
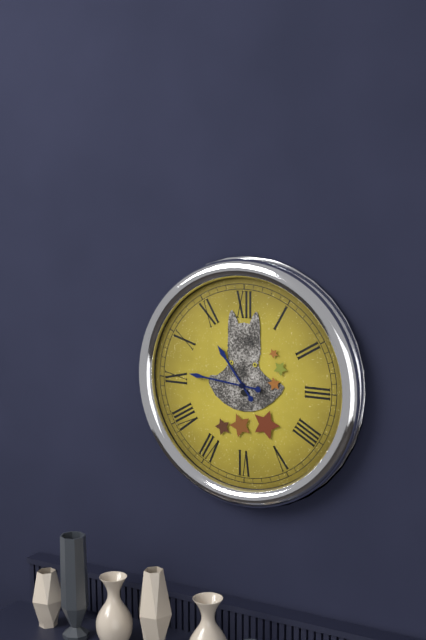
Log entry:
h=10 m=46
